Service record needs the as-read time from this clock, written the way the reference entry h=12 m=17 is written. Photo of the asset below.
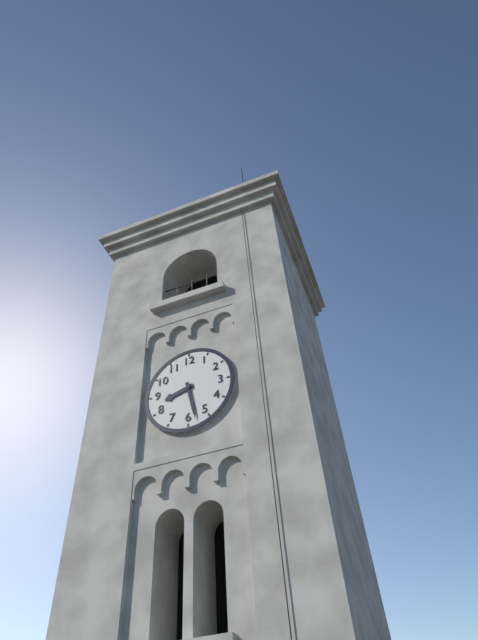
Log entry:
h=8 m=28
